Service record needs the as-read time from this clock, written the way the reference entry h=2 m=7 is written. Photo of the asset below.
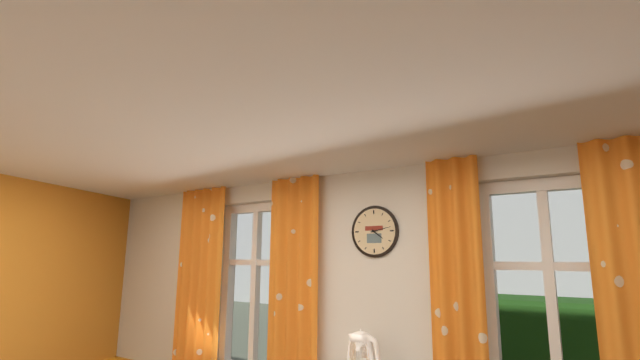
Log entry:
h=4 m=13
